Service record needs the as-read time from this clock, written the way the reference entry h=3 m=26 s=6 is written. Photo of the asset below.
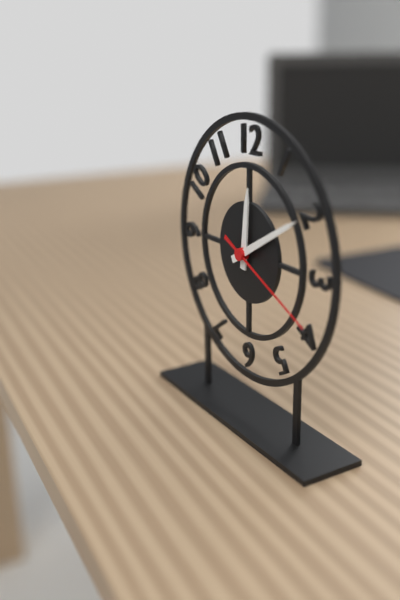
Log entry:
h=12 m=10 s=19
